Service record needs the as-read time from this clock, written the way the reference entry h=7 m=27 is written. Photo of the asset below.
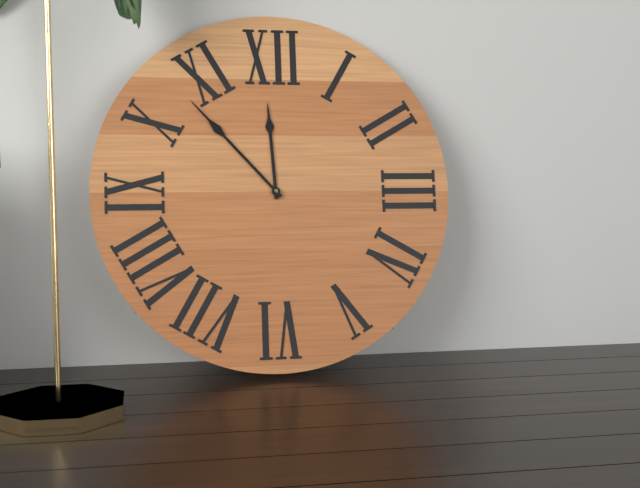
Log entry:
h=11 m=53
